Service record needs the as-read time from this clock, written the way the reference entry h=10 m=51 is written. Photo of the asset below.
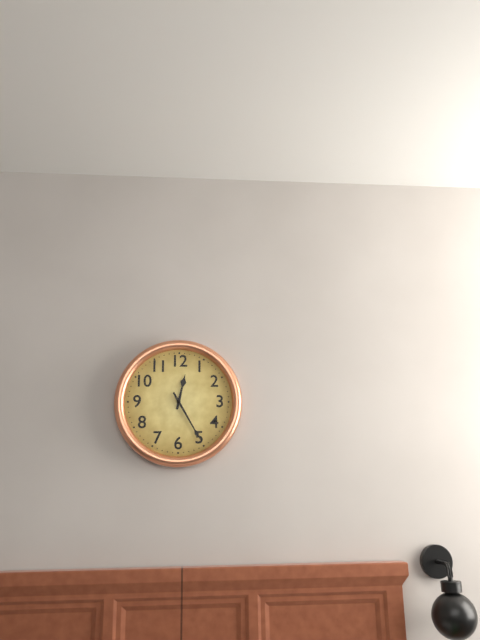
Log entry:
h=12 m=25
